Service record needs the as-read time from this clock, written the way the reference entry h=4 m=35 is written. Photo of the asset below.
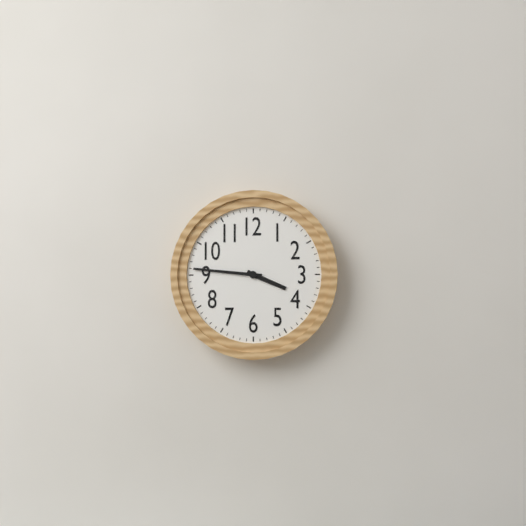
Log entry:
h=3 m=46
